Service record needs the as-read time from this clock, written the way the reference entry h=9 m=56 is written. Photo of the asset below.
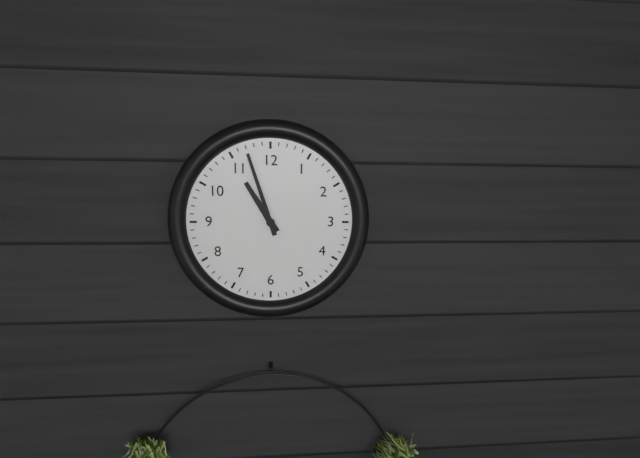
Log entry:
h=10 m=57
